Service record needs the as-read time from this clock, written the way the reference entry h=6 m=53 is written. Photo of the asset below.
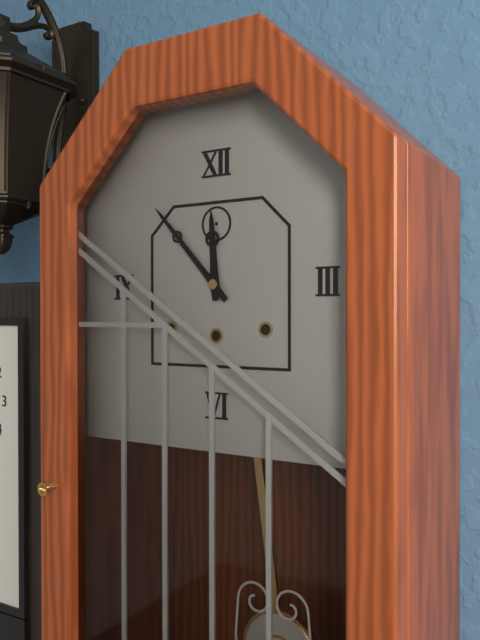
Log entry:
h=11 m=53
